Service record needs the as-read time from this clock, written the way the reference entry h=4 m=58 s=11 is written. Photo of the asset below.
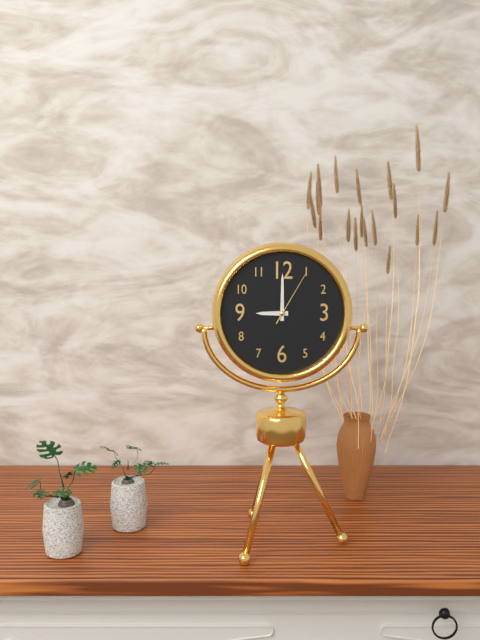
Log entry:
h=9 m=0 s=5
